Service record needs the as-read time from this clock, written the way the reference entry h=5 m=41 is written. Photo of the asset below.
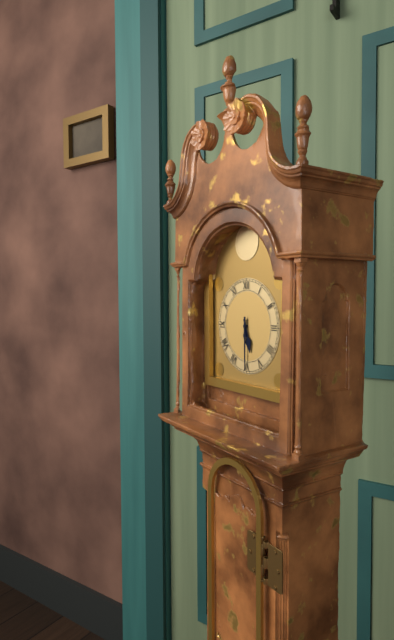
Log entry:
h=5 m=30
